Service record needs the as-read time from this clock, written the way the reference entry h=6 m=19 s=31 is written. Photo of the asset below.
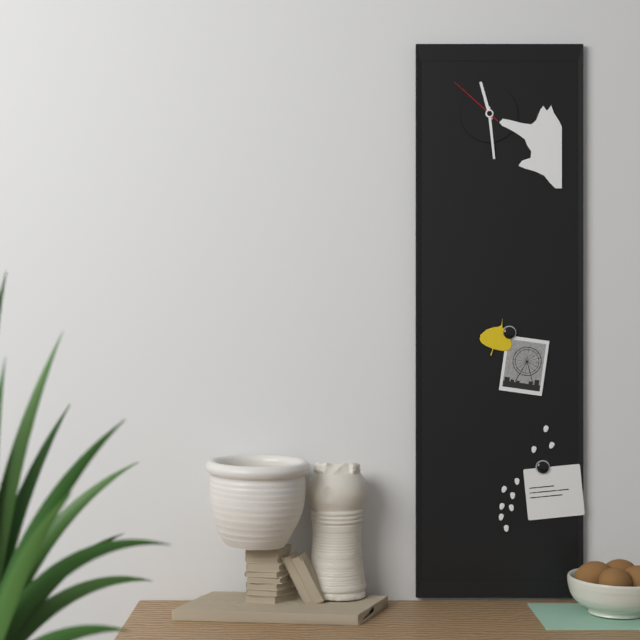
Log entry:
h=11 m=29 s=52
